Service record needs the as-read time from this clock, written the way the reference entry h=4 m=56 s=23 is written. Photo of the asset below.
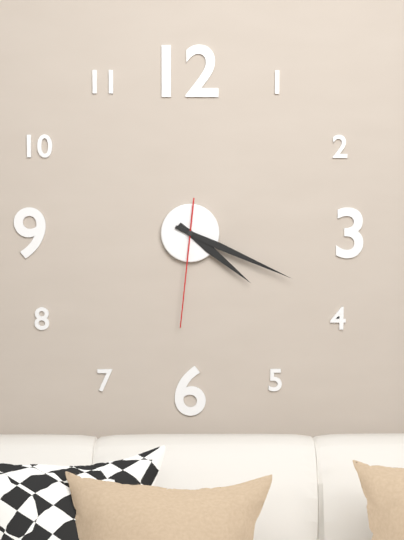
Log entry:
h=4 m=19 s=31
